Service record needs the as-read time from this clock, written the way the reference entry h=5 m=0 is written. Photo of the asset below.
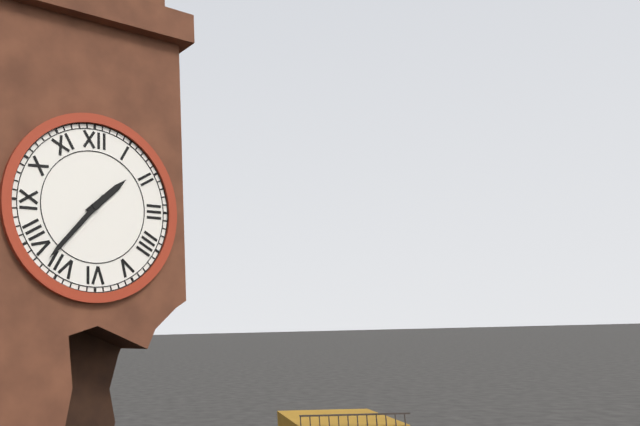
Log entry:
h=1 m=37
